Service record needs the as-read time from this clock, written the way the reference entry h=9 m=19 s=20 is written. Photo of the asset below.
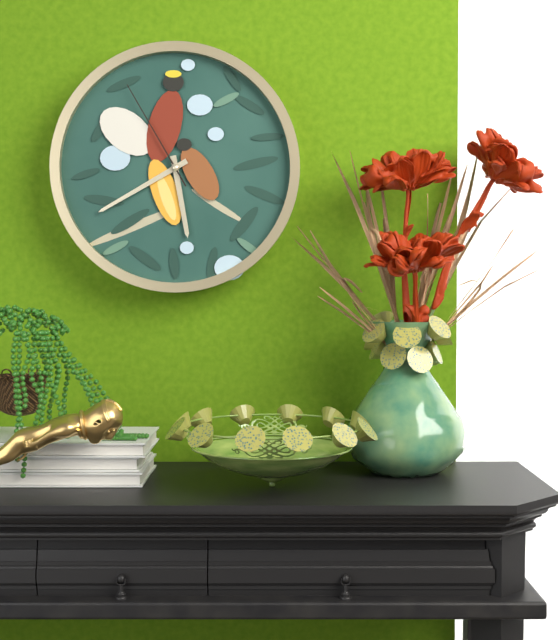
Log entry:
h=5 m=40 s=55
